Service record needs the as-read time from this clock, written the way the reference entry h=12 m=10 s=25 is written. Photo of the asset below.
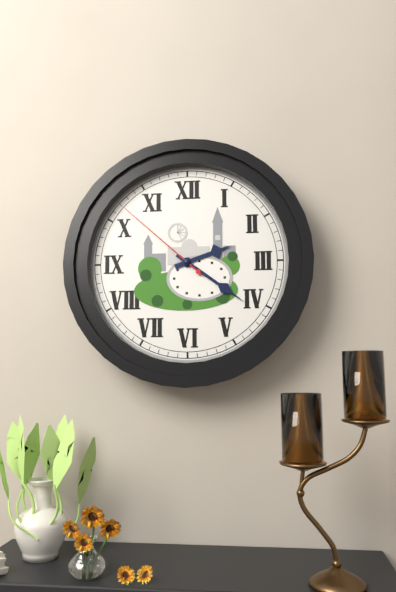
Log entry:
h=2 m=21 s=52
